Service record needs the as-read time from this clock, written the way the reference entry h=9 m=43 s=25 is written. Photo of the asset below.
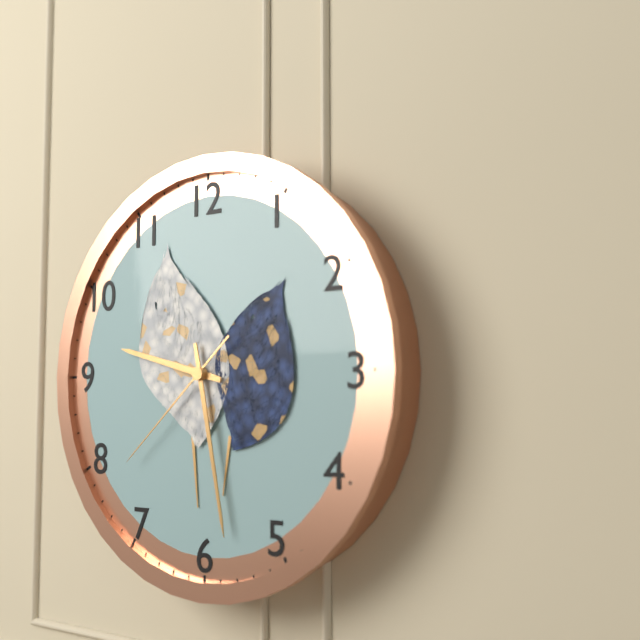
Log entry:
h=9 m=28 s=38
